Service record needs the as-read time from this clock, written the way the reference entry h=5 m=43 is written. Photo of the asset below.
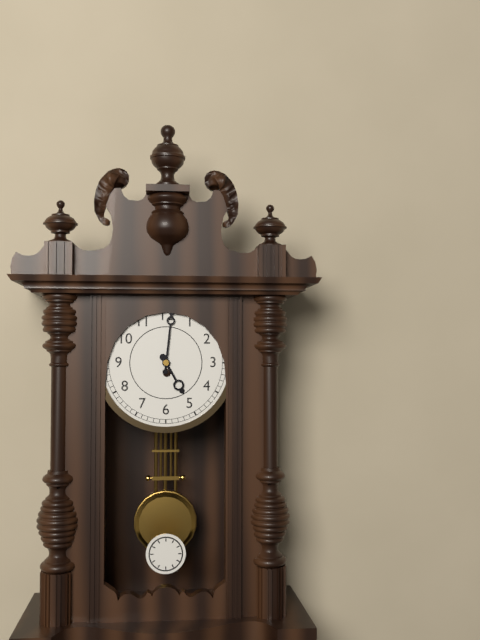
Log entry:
h=5 m=1
